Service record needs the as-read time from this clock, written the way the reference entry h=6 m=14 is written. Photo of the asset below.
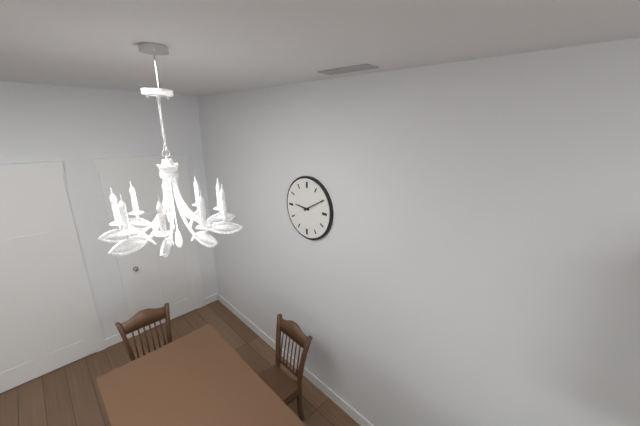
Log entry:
h=9 m=10
